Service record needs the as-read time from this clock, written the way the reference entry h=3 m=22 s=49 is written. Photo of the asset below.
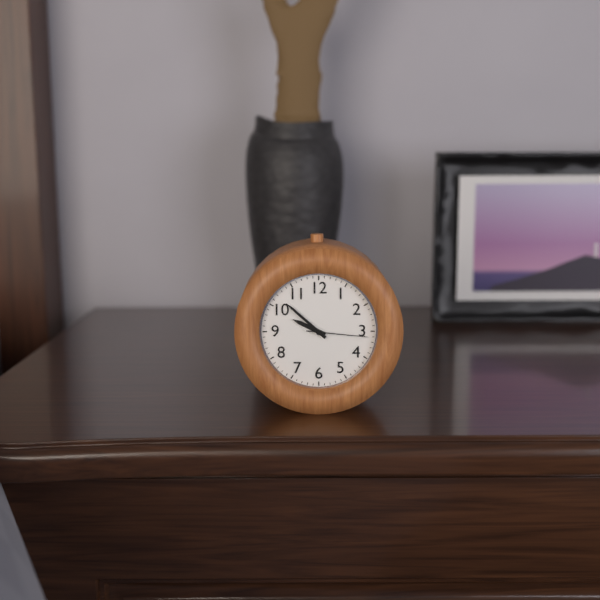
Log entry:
h=9 m=52 s=16
